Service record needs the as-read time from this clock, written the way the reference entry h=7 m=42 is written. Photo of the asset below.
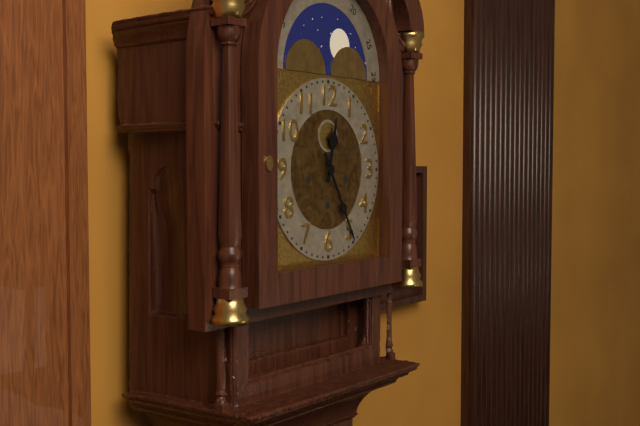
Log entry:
h=12 m=25
